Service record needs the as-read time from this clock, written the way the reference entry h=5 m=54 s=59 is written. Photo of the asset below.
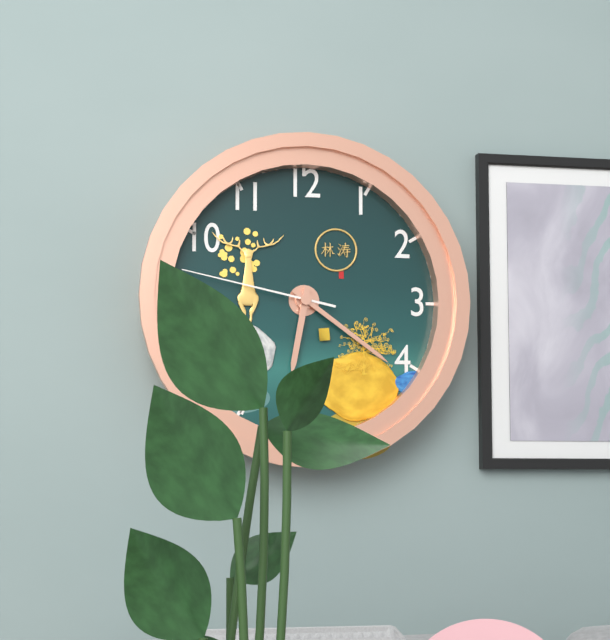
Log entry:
h=6 m=21 s=47
